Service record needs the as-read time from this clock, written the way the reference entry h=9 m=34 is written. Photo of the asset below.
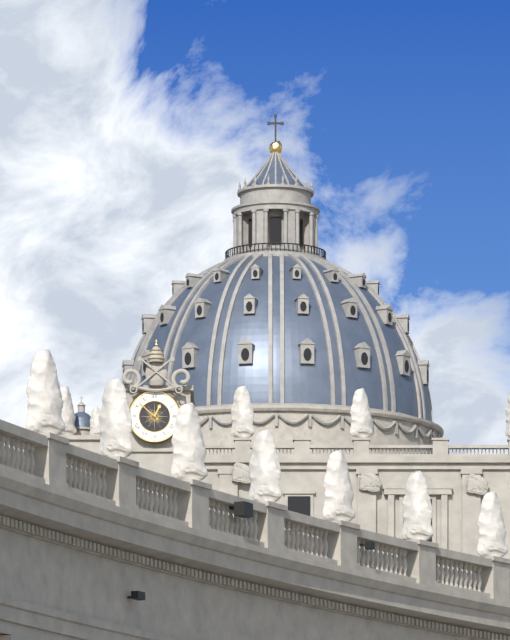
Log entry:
h=12 m=52
